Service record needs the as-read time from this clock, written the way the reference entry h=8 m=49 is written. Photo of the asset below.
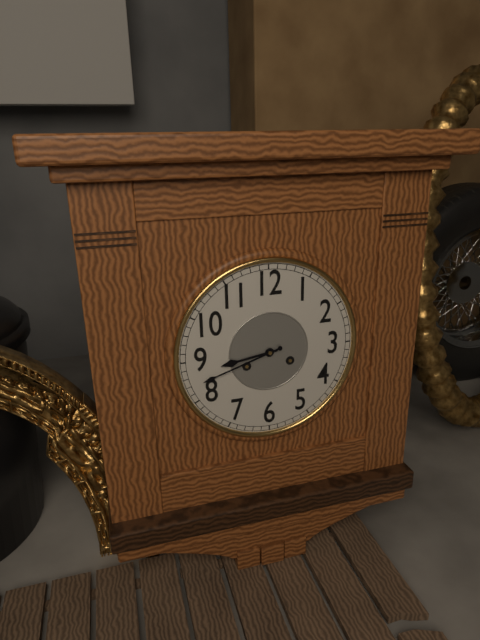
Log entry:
h=8 m=42
